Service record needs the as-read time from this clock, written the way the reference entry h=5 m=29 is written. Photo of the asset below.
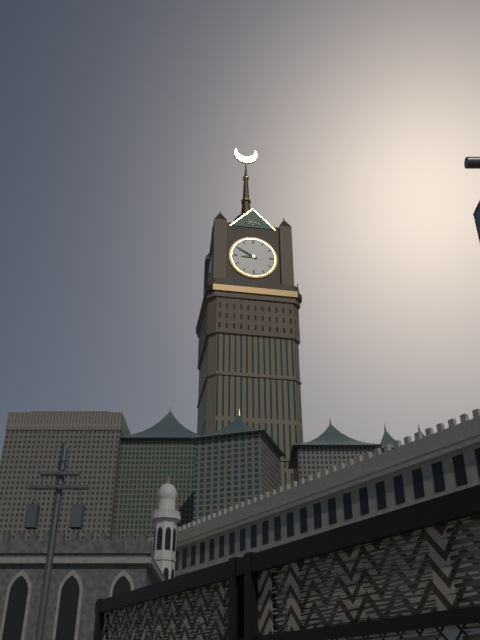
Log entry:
h=8 m=50
